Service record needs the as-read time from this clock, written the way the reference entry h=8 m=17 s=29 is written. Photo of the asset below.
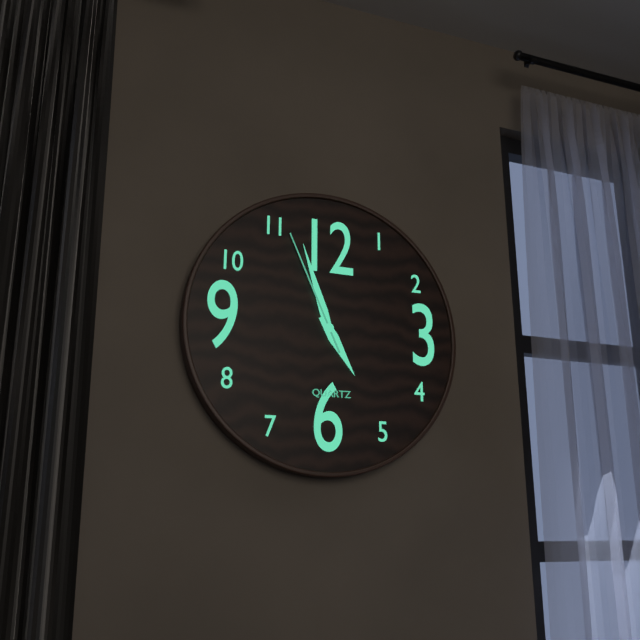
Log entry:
h=4 m=57 s=56
